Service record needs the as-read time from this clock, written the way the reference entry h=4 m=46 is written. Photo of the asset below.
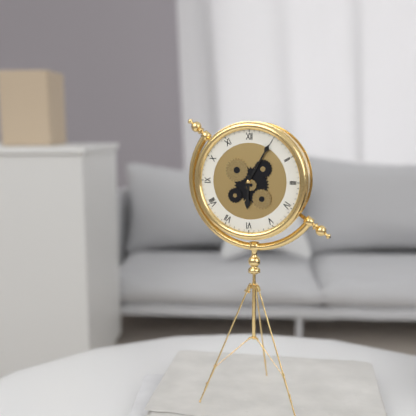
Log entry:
h=6 m=5
